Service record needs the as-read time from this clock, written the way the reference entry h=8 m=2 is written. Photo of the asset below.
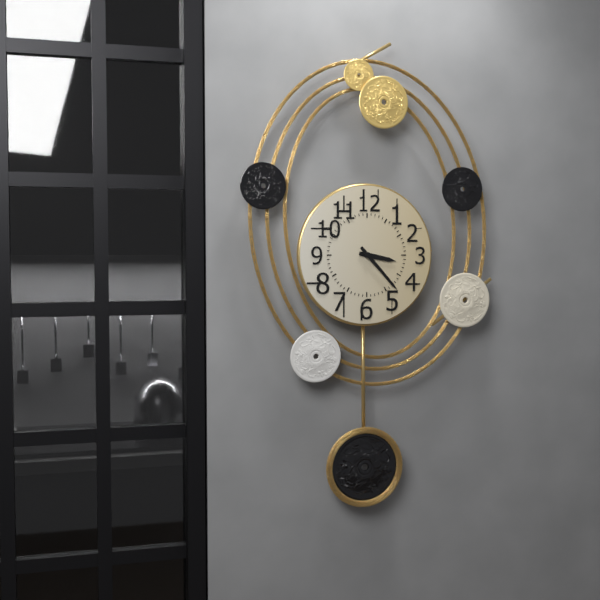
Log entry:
h=3 m=23
